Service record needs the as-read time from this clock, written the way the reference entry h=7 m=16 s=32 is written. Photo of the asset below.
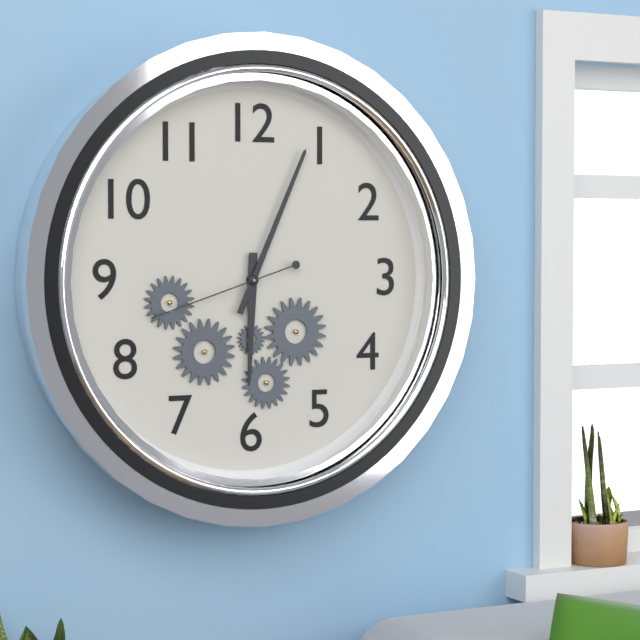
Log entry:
h=6 m=4 s=42
